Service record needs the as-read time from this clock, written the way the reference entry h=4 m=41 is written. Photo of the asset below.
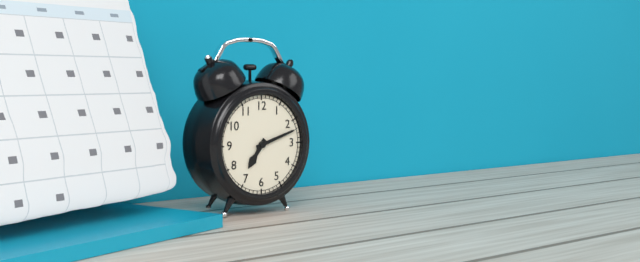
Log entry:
h=7 m=12
